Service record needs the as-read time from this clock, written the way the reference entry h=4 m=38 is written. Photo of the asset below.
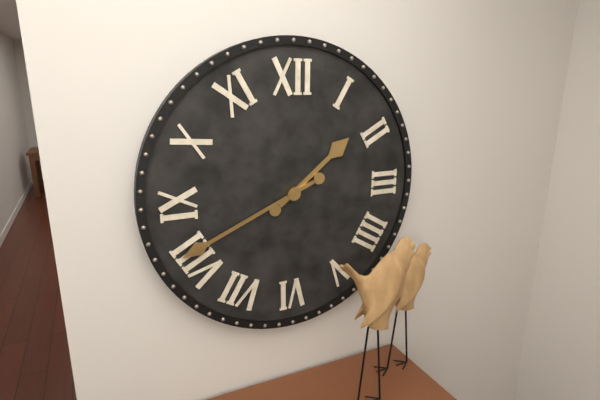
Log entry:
h=1 m=41
